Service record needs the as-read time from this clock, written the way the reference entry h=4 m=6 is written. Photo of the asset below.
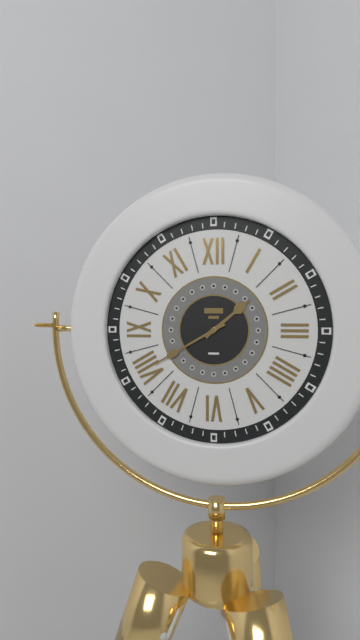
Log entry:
h=1 m=40
